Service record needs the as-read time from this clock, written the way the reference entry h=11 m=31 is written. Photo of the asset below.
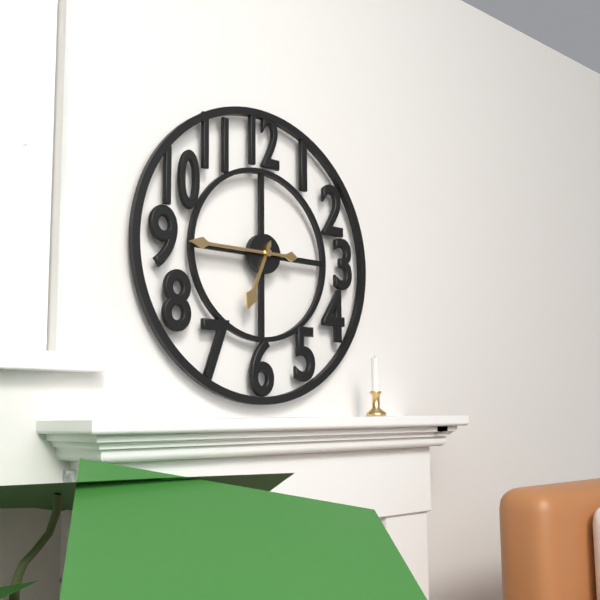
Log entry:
h=6 m=45
